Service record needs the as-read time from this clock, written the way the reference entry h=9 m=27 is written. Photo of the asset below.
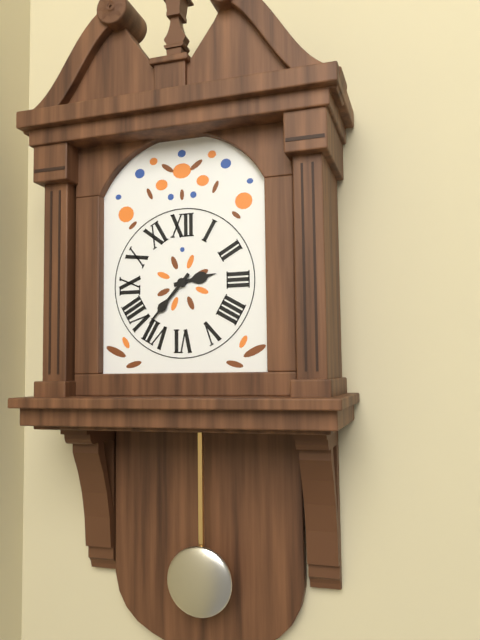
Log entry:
h=2 m=37
